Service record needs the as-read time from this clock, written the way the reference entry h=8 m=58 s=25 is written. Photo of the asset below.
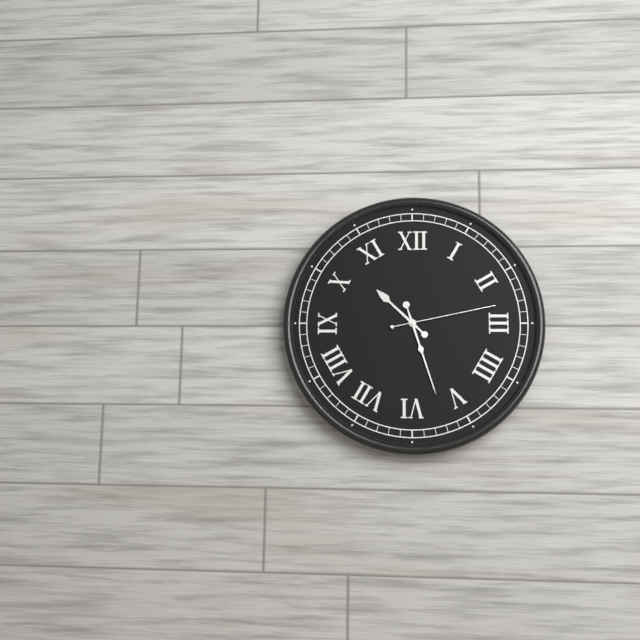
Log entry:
h=10 m=27 s=13
